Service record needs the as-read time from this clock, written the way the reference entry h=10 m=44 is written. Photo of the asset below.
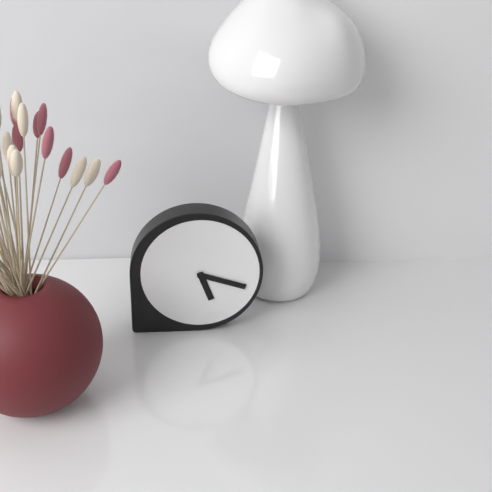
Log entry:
h=5 m=18
